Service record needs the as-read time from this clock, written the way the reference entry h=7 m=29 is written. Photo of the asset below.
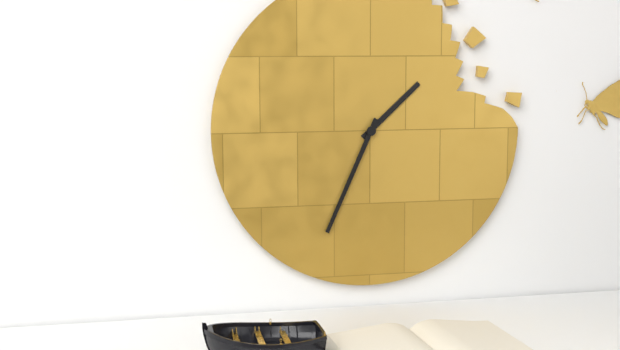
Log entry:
h=1 m=34
